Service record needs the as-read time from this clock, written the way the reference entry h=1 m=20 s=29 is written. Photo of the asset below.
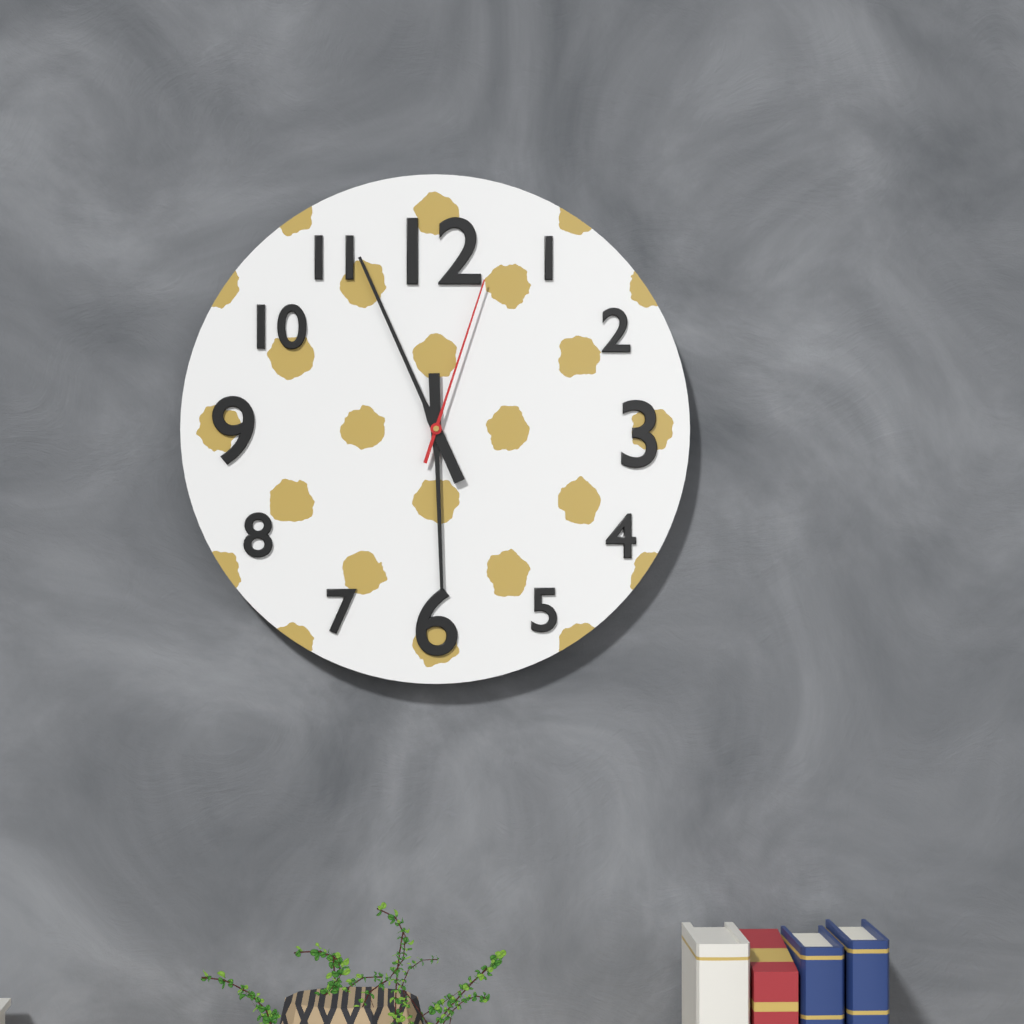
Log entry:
h=5 m=56 s=3
